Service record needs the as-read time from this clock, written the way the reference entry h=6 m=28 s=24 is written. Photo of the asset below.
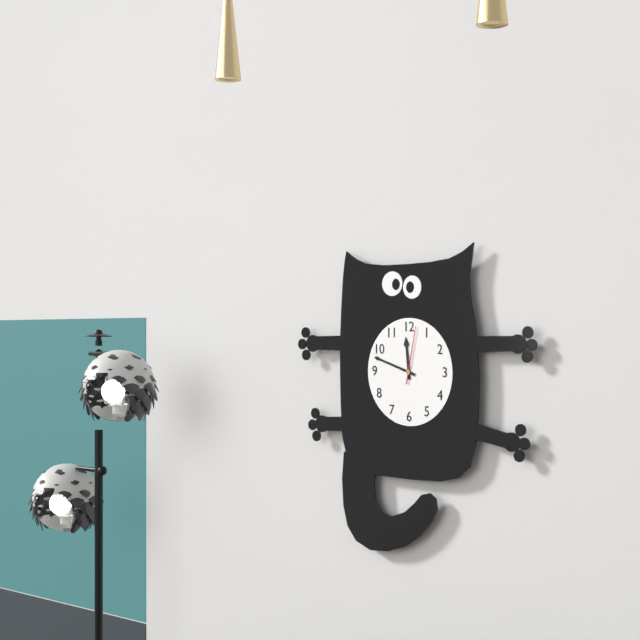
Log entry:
h=11 m=48 s=2
